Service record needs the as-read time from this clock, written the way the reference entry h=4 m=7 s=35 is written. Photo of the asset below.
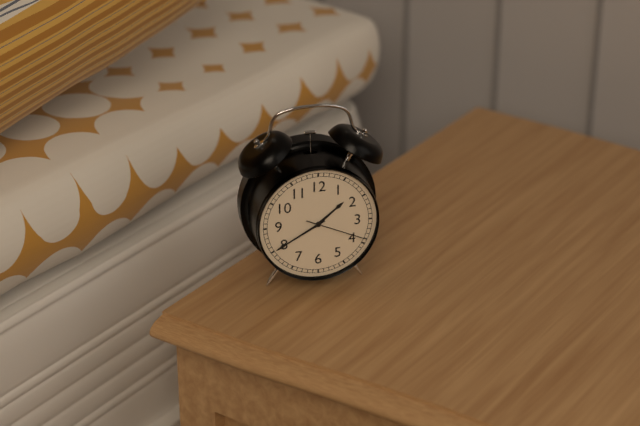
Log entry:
h=1 m=40 s=19
